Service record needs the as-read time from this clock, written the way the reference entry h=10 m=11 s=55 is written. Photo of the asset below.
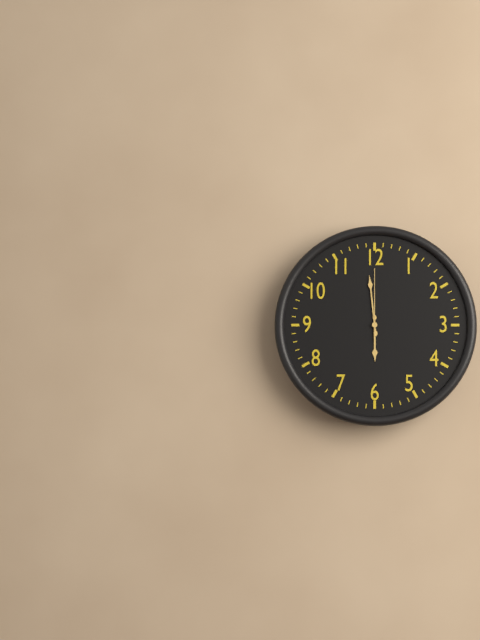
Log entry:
h=5 m=59 s=0
